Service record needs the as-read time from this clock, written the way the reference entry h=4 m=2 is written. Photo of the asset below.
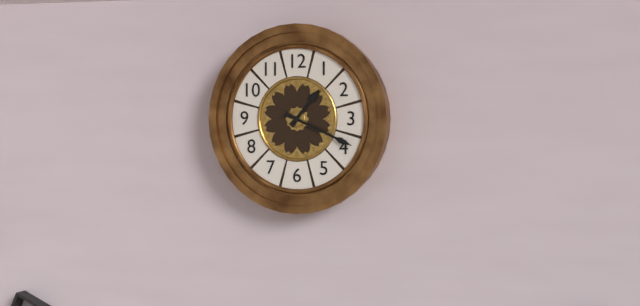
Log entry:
h=1 m=19
